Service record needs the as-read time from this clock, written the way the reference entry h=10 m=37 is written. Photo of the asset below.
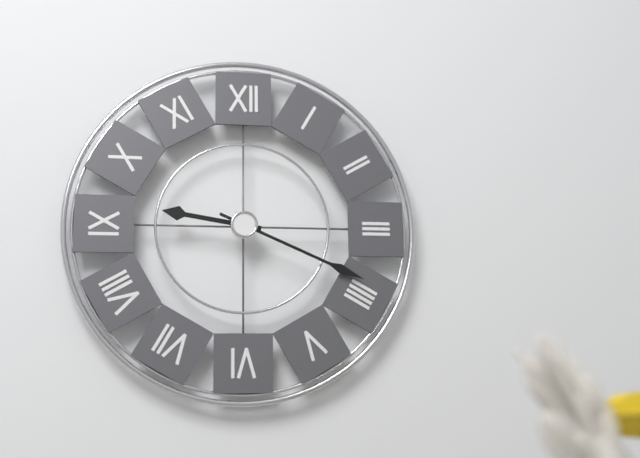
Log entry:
h=9 m=19
